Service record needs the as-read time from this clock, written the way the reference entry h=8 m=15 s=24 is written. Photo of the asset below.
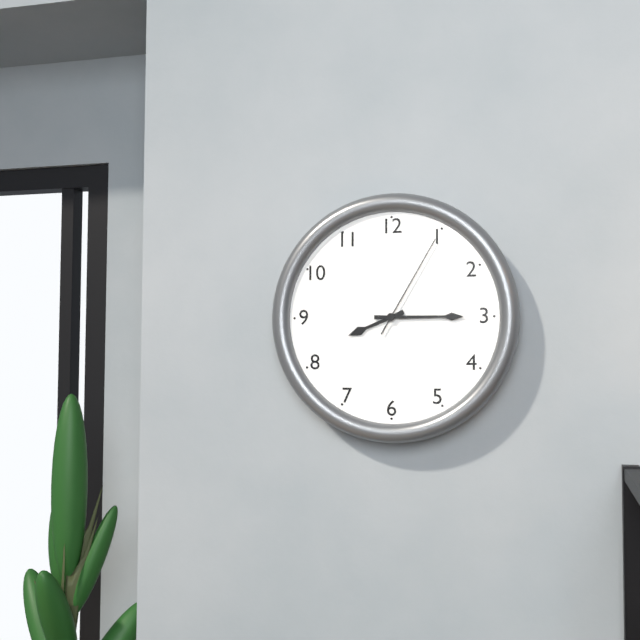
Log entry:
h=8 m=15 s=5
